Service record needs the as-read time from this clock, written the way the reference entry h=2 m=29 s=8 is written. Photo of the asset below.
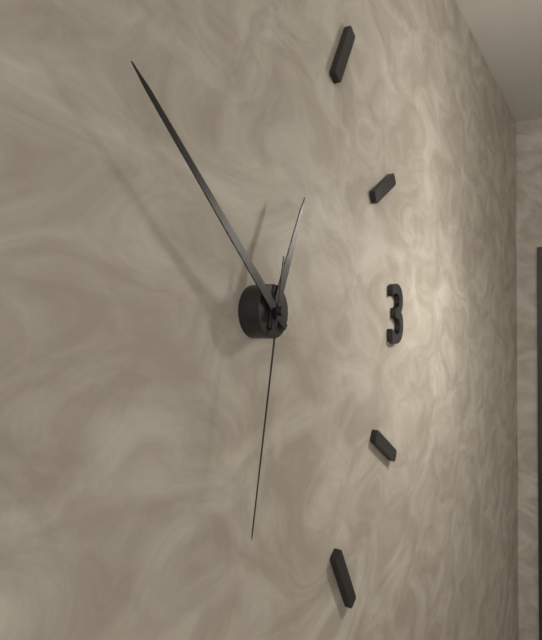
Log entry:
h=12 m=52 s=32
